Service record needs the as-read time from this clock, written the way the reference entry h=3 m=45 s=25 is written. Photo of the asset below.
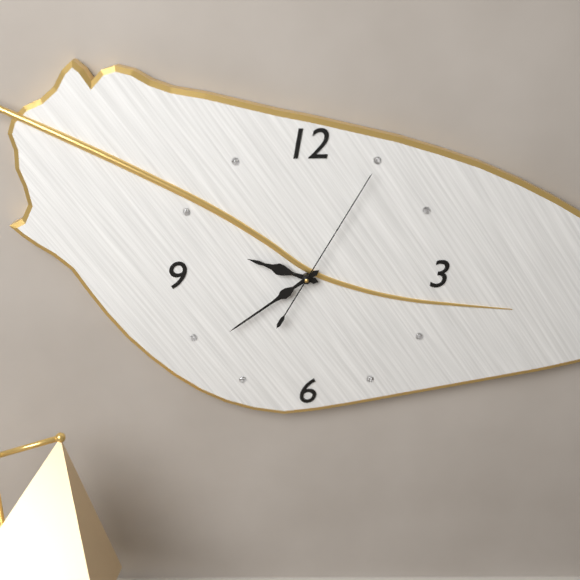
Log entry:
h=9 m=39 s=5
